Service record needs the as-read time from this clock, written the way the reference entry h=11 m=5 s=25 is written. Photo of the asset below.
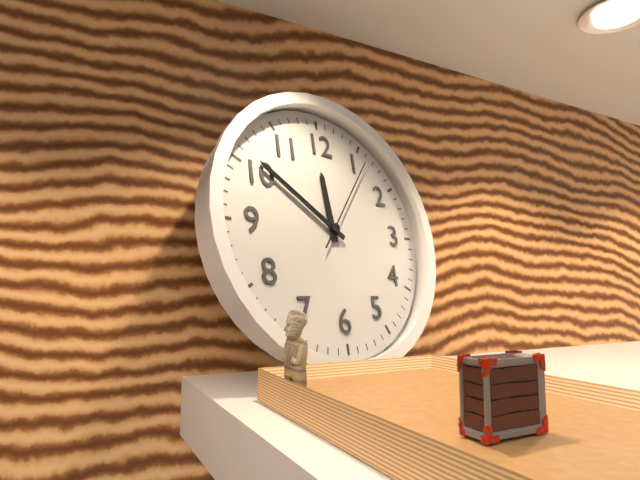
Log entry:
h=11 m=51 s=6
